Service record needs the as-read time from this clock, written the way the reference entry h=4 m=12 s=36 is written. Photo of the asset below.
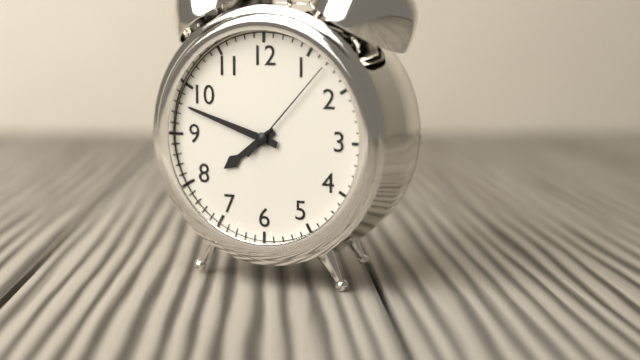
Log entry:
h=7 m=48 s=7
